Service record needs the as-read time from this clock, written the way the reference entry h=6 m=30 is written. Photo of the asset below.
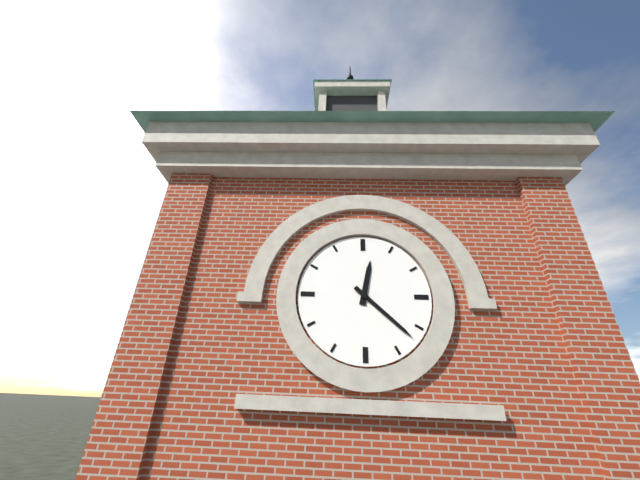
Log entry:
h=12 m=22
